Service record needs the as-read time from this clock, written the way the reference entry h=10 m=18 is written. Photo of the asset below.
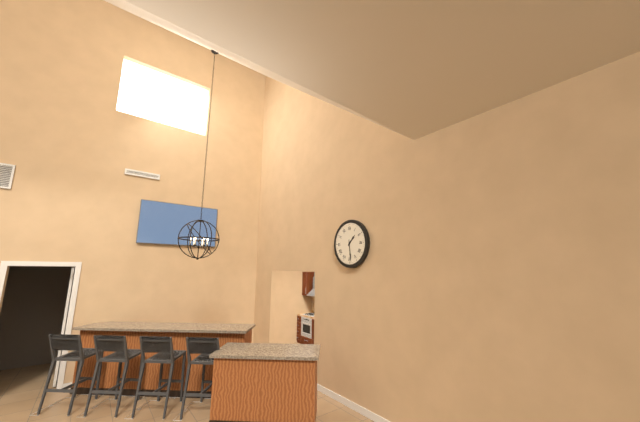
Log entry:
h=1 m=29
